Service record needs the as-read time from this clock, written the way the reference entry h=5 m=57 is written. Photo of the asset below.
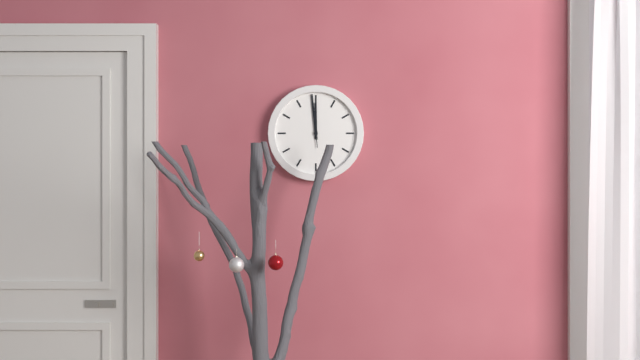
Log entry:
h=11 m=59
